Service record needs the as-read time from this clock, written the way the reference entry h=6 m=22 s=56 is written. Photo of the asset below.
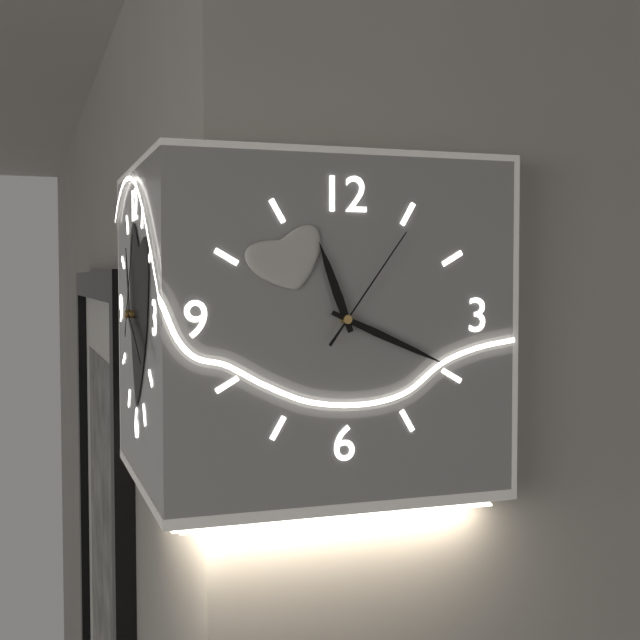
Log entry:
h=11 m=19 s=6
